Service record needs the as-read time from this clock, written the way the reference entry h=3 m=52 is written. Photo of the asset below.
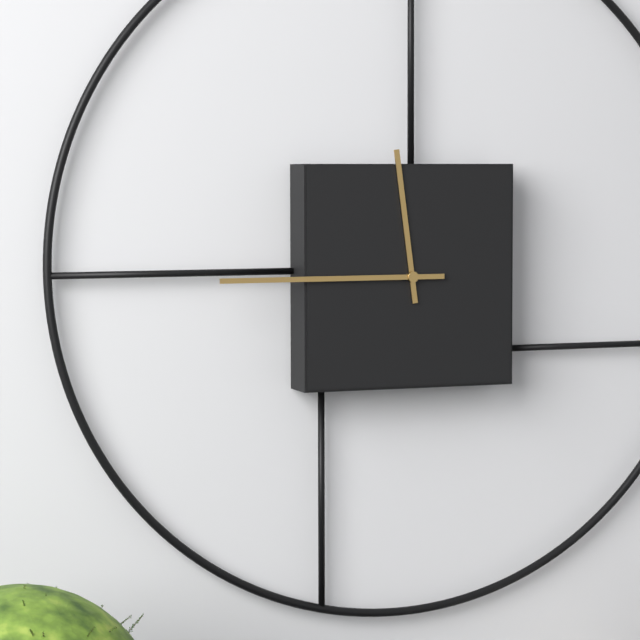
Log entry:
h=11 m=45
